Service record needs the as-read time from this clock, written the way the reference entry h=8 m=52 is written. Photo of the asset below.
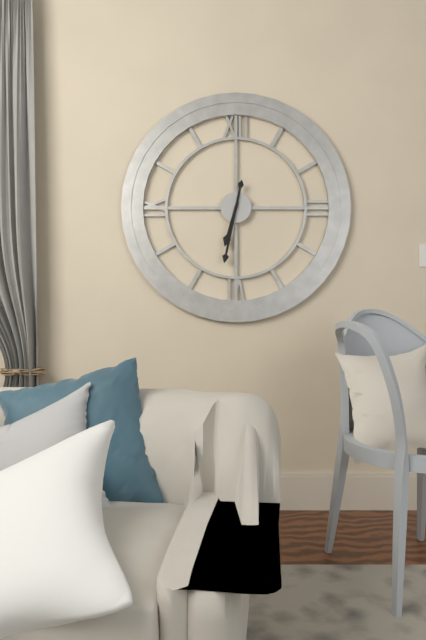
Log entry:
h=6 m=32
